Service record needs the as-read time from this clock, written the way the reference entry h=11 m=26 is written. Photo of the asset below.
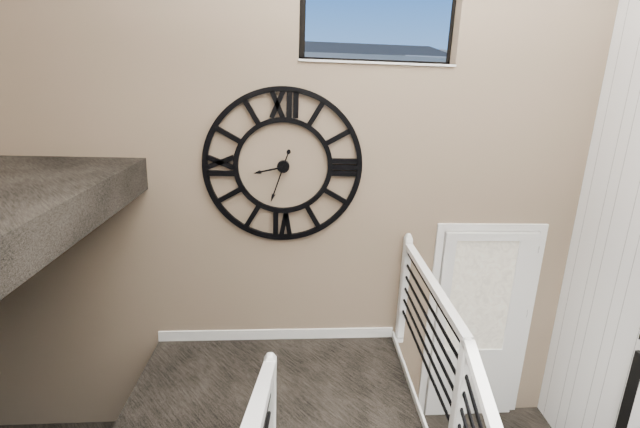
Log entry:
h=8 m=33
